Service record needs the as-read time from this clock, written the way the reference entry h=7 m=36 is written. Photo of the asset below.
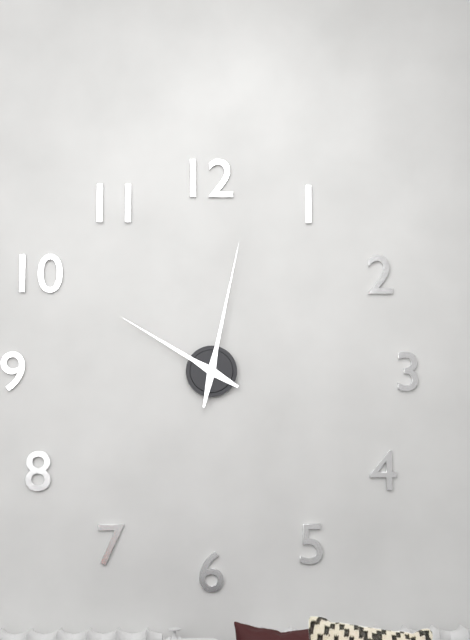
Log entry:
h=10 m=2
